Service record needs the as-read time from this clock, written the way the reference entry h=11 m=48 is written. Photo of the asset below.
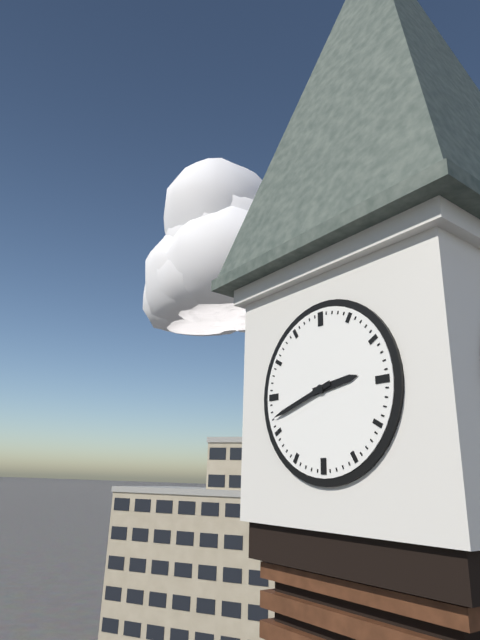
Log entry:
h=2 m=42
